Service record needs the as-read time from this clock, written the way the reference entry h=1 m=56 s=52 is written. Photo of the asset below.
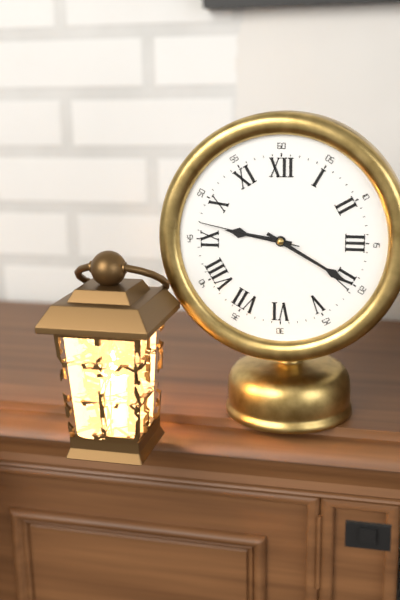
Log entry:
h=9 m=20 s=47
